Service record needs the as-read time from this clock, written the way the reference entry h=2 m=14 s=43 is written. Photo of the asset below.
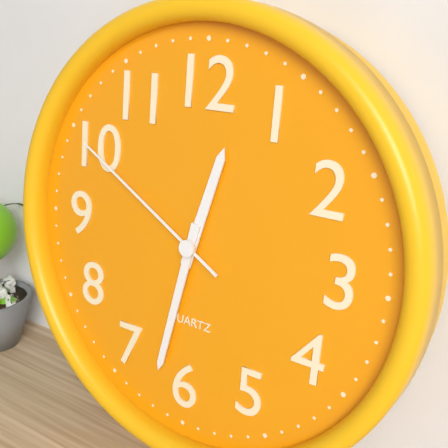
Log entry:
h=12 m=32 s=50
